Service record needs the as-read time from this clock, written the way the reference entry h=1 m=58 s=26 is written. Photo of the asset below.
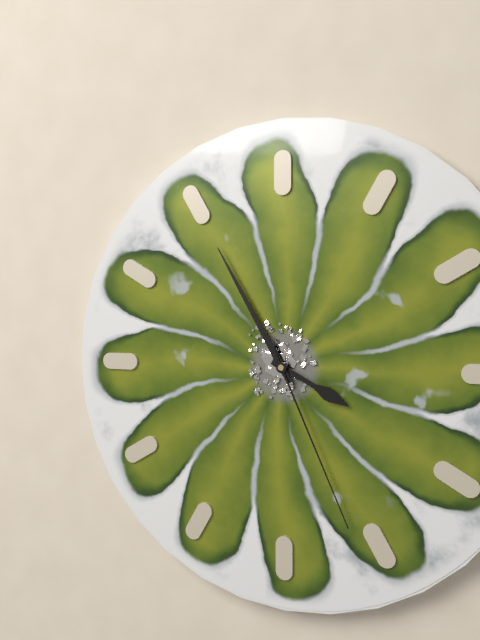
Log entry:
h=3 m=55 s=26
